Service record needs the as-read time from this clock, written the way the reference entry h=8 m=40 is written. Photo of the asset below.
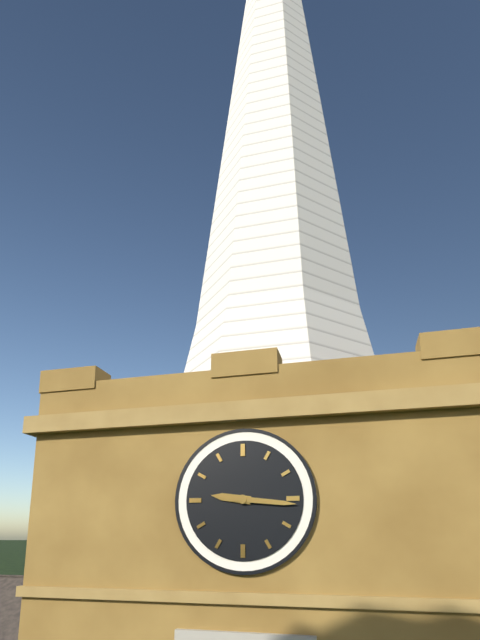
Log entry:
h=9 m=16
